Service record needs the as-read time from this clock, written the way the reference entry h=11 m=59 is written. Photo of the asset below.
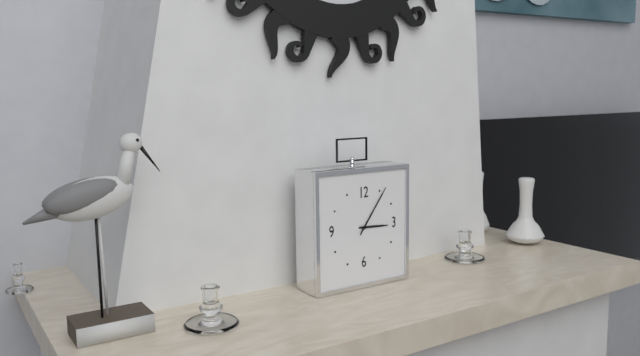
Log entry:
h=3 m=6
